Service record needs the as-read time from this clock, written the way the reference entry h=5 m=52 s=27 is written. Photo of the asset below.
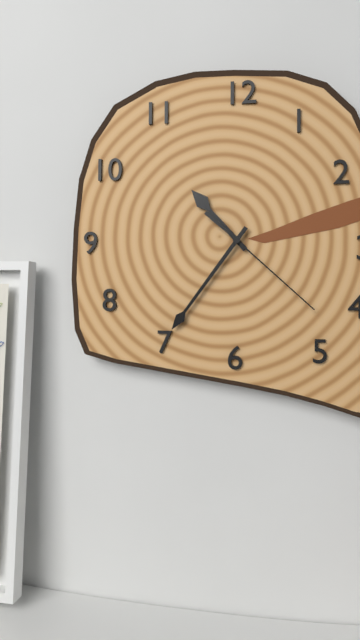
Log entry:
h=10 m=36 s=22
